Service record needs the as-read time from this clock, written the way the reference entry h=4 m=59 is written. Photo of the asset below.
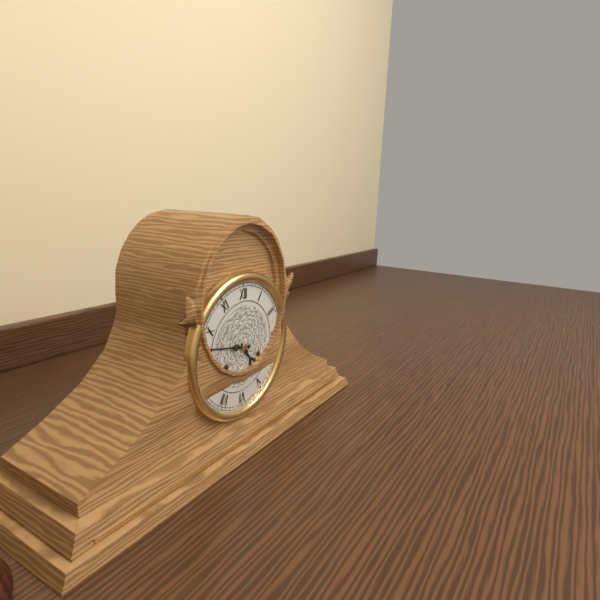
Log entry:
h=4 m=47
